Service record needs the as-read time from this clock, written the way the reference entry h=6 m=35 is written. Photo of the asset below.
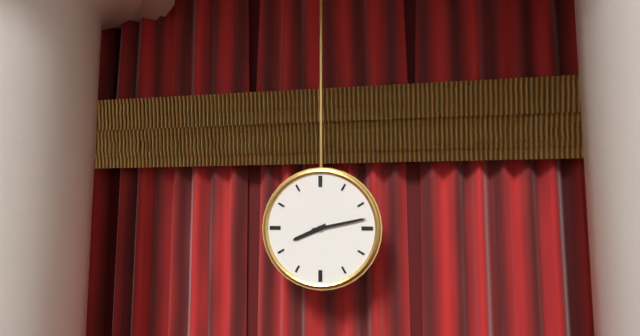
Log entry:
h=8 m=13
